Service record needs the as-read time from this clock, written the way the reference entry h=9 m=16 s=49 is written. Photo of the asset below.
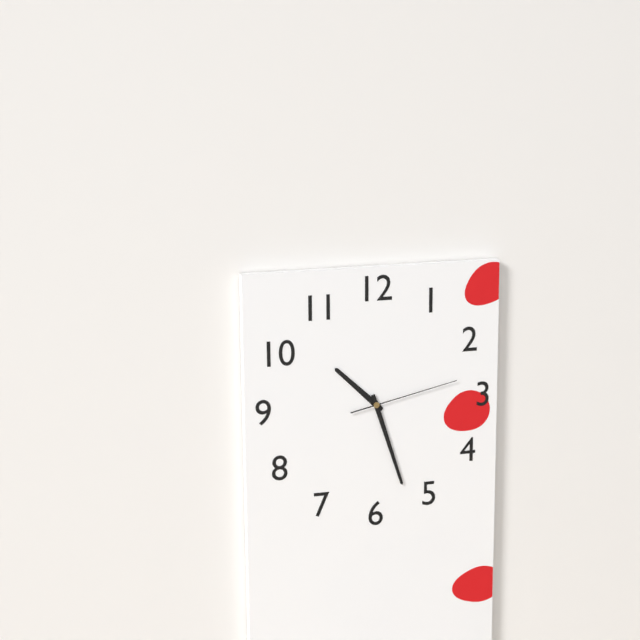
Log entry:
h=10 m=27 s=13
